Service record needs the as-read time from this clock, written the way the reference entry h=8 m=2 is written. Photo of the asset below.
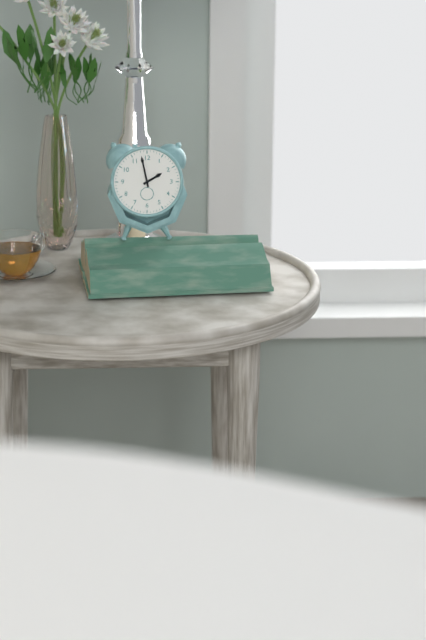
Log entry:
h=1 m=58
